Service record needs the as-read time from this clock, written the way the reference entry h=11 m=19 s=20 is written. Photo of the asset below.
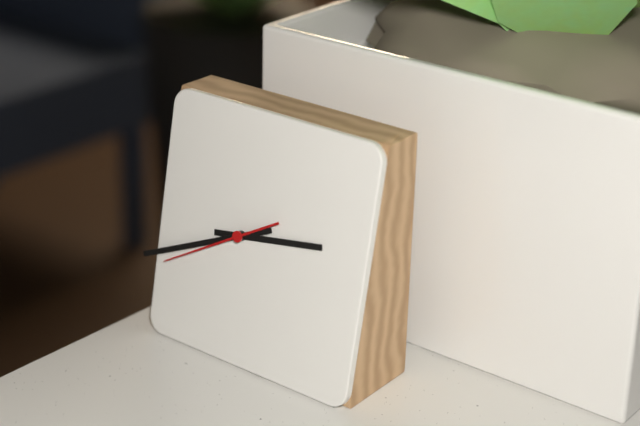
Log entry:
h=2 m=41 s=40
